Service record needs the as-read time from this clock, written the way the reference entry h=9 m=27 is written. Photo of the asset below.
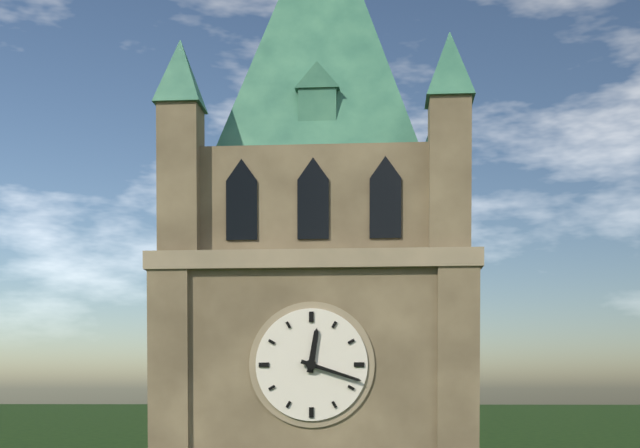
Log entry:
h=12 m=18
